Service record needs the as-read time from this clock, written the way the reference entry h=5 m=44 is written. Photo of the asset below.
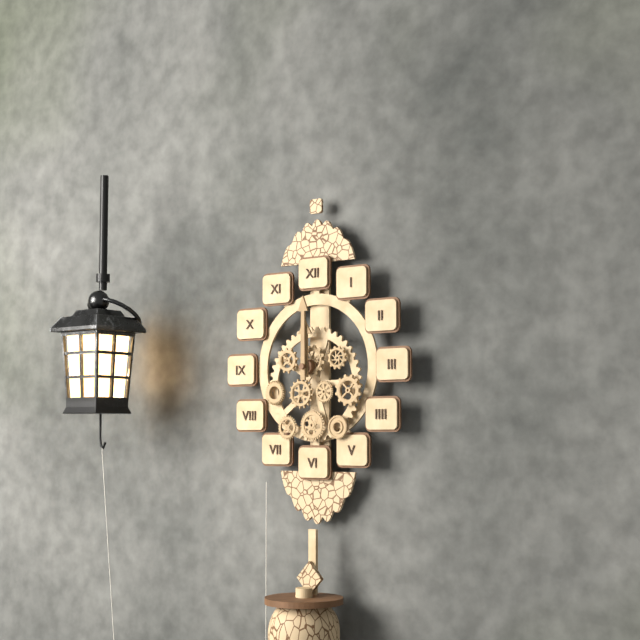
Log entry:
h=12 m=0
